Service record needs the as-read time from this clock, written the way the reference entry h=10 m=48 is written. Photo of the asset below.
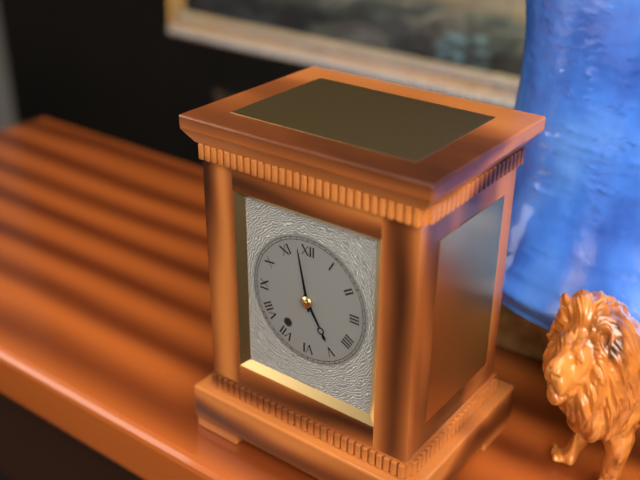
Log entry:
h=4 m=58
